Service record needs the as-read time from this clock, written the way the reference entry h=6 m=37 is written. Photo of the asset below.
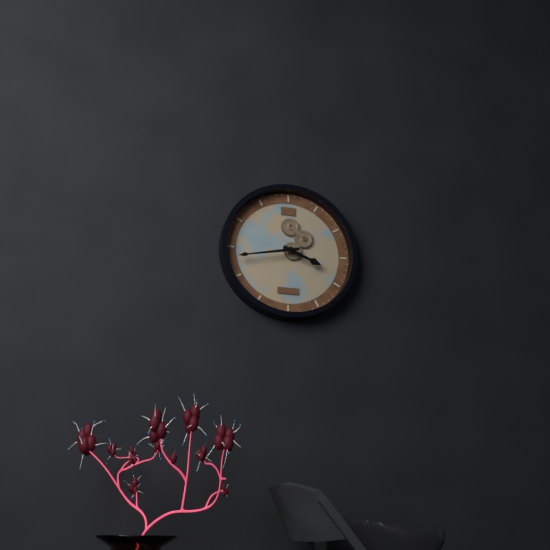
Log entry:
h=3 m=43
